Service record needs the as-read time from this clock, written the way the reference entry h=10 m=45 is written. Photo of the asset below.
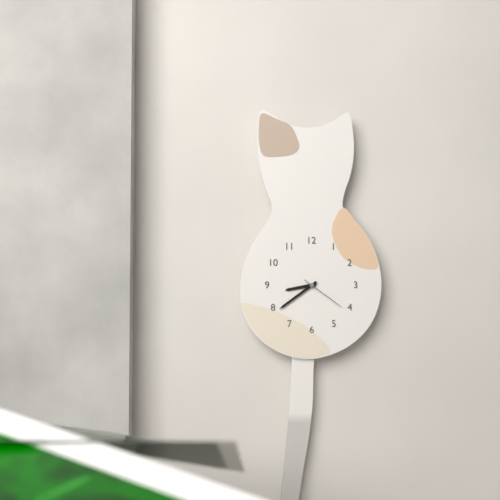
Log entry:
h=8 m=39
